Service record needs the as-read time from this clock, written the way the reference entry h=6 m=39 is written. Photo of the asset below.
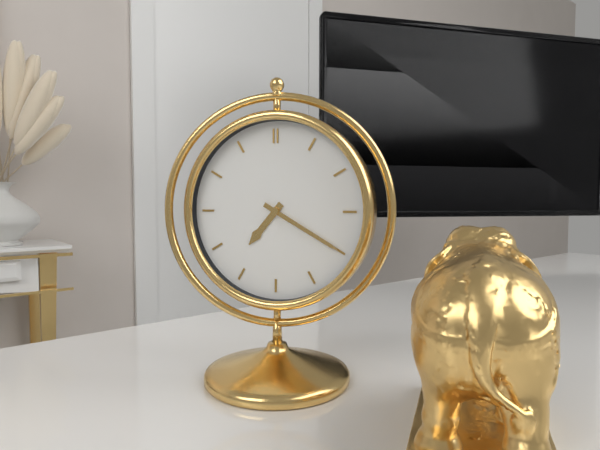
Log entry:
h=7 m=20
